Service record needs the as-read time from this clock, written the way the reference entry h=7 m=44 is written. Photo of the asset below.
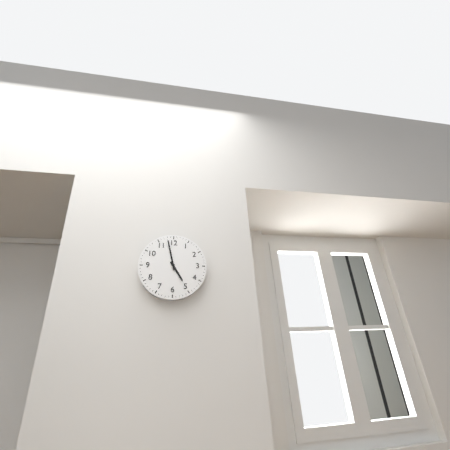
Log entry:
h=4 m=58
